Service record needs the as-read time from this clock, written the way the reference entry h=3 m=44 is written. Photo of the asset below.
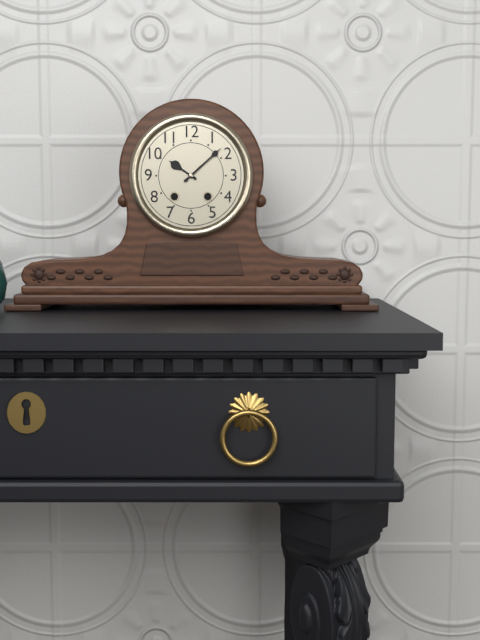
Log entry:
h=10 m=8
